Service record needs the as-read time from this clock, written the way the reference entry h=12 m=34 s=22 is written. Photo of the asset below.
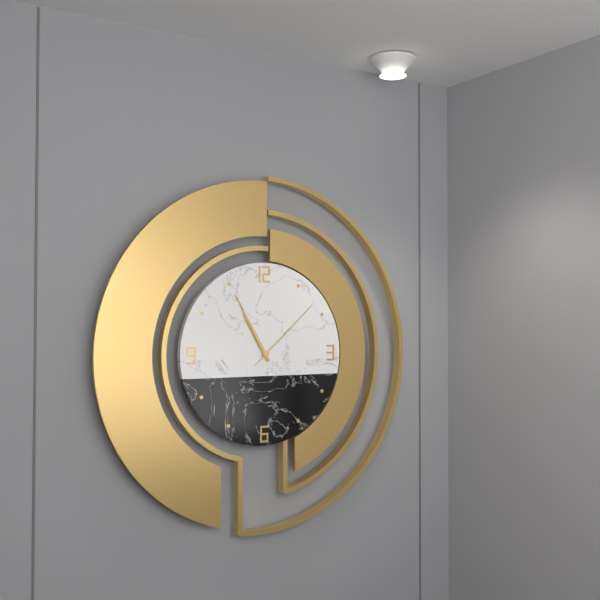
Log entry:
h=10 m=55 s=8
